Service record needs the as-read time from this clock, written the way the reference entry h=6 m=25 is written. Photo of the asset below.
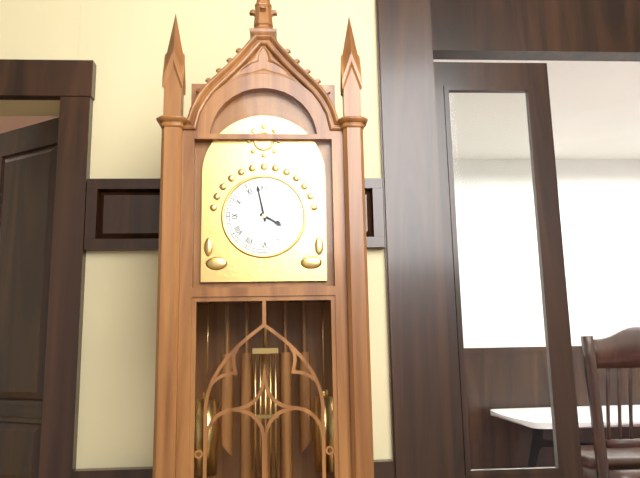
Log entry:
h=3 m=58
